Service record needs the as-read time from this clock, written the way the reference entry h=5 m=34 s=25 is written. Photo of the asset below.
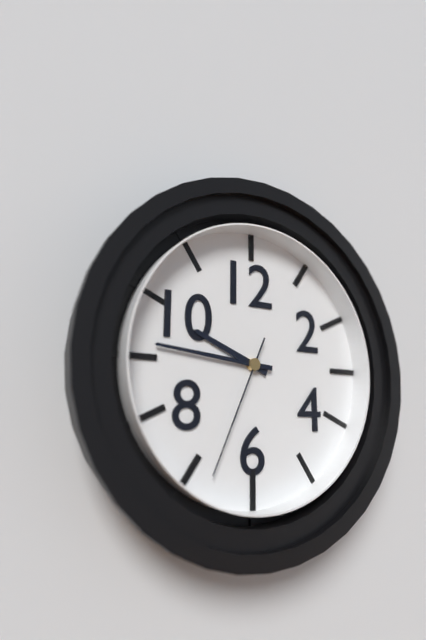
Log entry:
h=9 m=46 s=34
